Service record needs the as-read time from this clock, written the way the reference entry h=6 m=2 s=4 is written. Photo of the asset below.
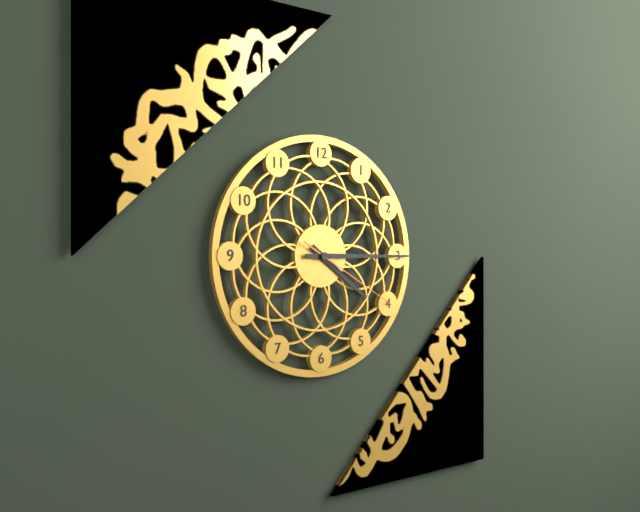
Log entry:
h=4 m=15 s=20
